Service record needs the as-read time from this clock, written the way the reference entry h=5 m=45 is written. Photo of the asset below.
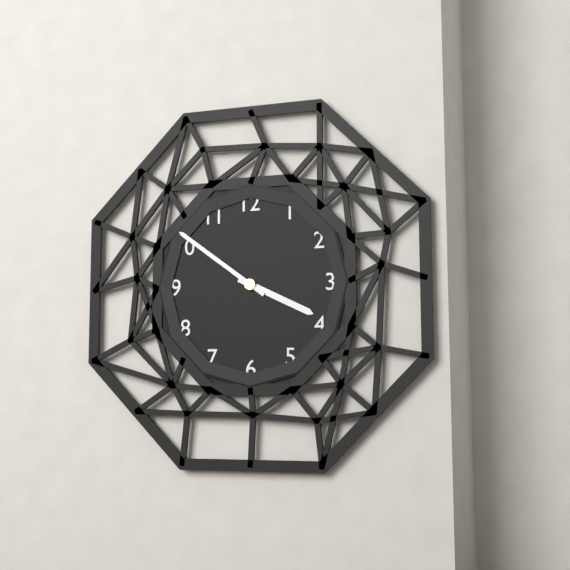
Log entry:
h=3 m=51
